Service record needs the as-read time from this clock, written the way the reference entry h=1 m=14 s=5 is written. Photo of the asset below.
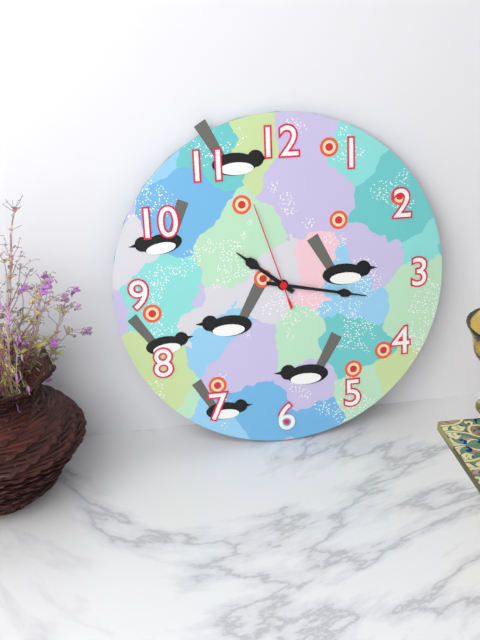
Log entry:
h=10 m=17 s=57
